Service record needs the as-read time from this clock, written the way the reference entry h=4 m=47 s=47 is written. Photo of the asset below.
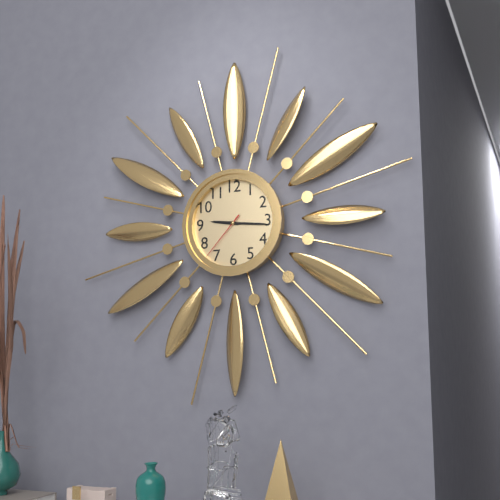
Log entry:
h=9 m=16 s=37
